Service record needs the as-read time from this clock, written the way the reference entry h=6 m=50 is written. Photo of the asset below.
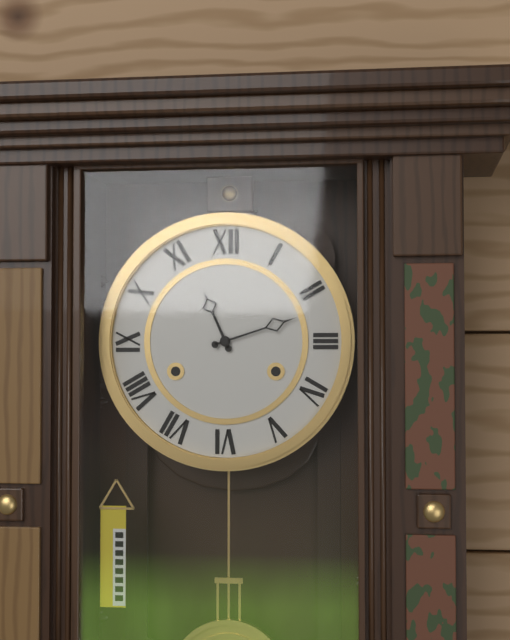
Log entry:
h=11 m=12
